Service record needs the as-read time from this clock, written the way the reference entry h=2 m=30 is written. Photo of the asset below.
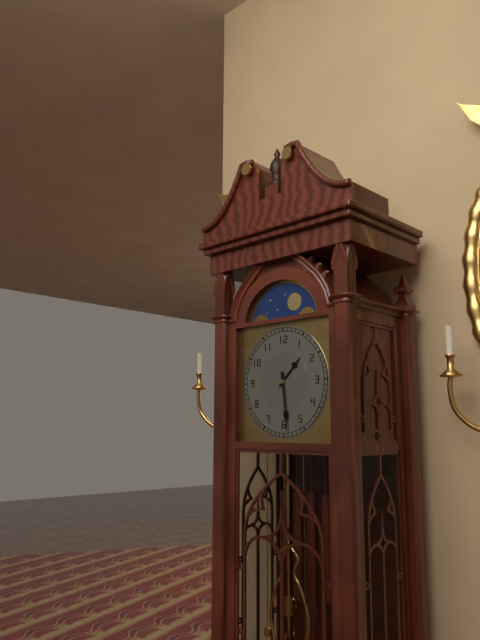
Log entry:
h=1 m=29
